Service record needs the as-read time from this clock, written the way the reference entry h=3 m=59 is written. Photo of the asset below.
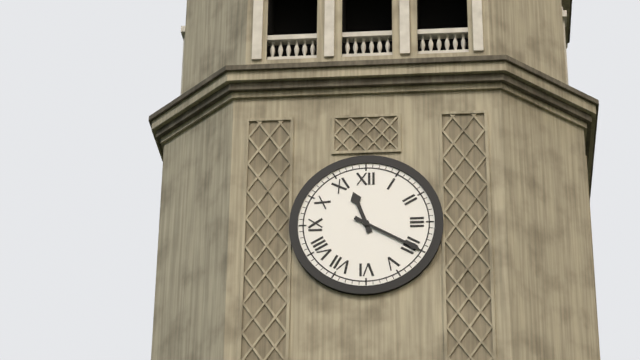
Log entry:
h=11 m=20
